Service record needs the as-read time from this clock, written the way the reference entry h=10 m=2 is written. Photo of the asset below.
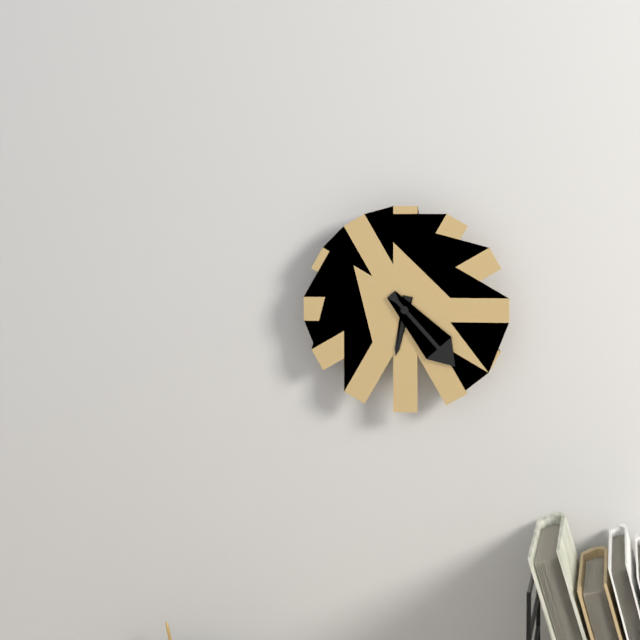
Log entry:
h=6 m=23
